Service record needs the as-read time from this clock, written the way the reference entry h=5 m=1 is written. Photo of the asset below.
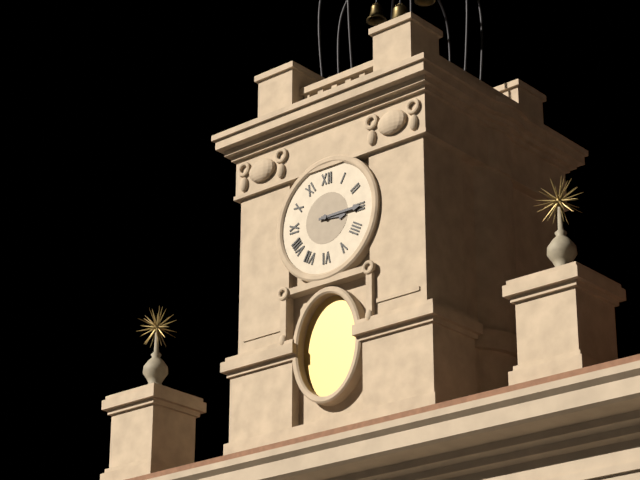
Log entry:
h=3 m=15
